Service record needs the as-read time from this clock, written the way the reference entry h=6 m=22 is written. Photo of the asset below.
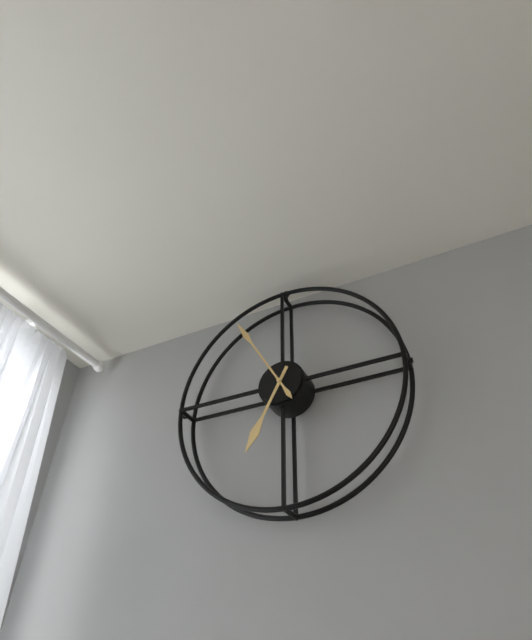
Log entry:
h=6 m=55
